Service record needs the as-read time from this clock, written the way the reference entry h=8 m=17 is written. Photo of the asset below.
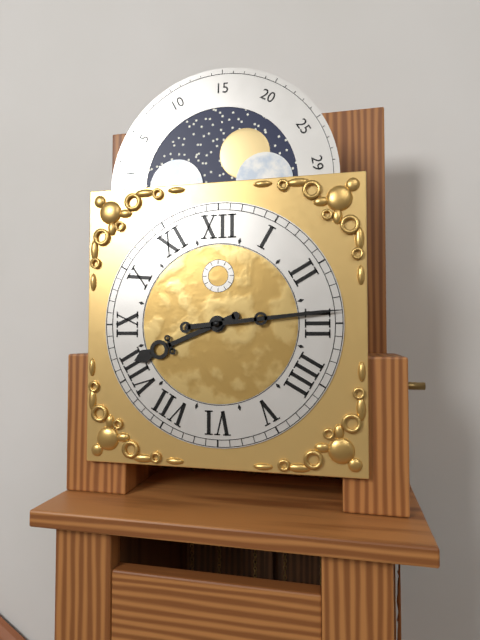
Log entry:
h=8 m=14
